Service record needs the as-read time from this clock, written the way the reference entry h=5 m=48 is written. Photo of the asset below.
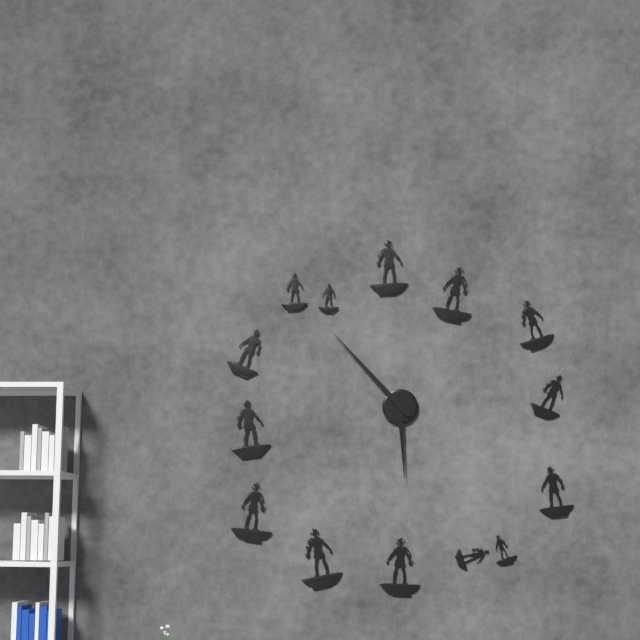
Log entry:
h=5 m=53
